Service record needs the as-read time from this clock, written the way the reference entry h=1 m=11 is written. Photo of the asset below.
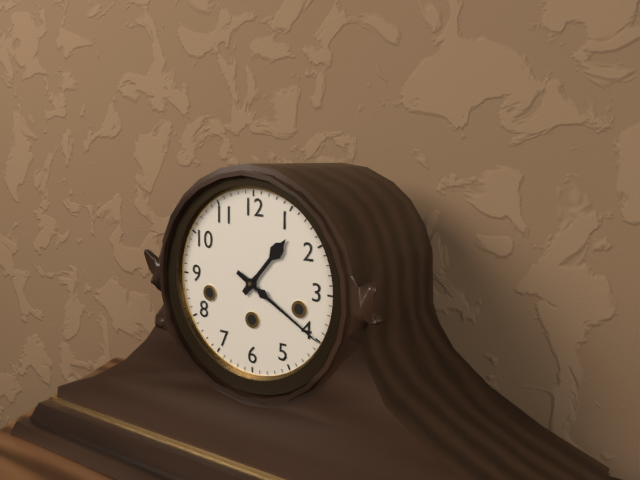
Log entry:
h=1 m=20
